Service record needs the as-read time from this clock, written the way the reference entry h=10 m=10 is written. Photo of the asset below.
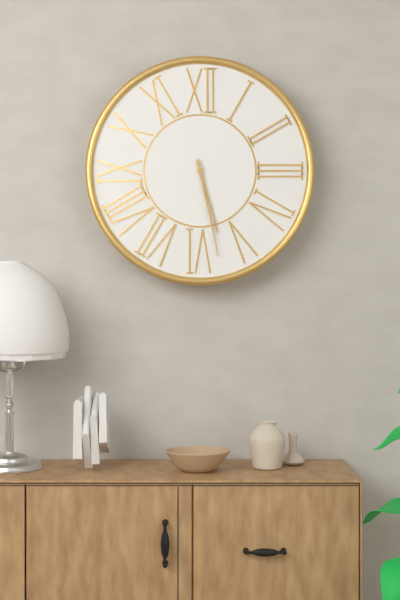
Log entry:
h=5 m=28
